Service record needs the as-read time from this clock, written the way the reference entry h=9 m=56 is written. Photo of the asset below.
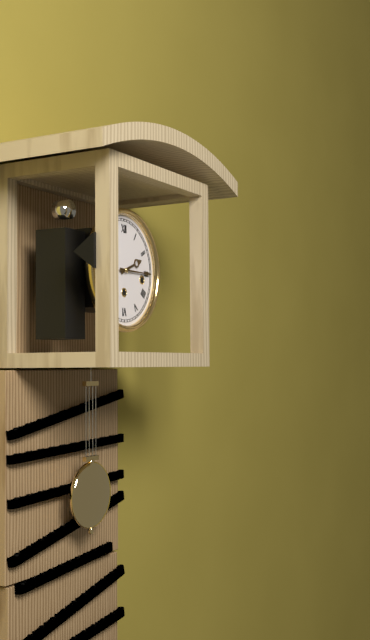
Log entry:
h=2 m=15
